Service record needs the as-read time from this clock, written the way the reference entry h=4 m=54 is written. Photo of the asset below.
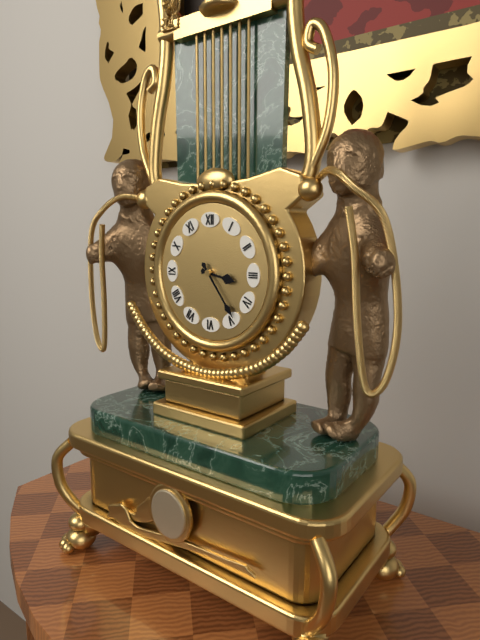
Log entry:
h=3 m=24
